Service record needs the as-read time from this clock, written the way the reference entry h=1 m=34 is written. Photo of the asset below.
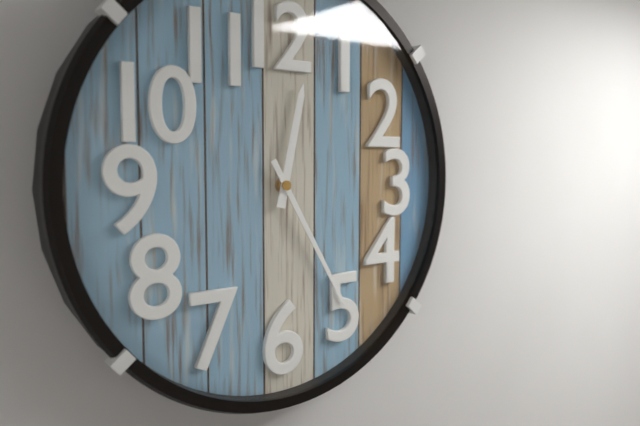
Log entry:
h=12 m=25
